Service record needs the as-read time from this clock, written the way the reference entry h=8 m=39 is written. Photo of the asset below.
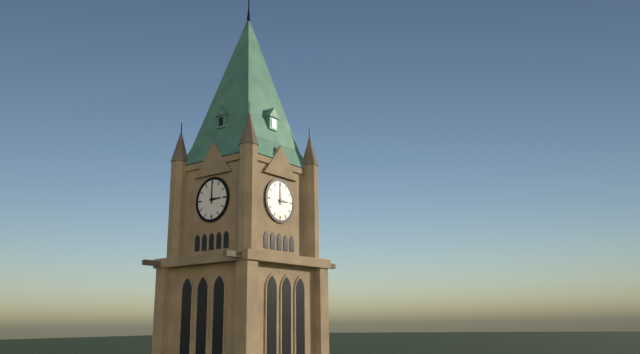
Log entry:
h=3 m=0
